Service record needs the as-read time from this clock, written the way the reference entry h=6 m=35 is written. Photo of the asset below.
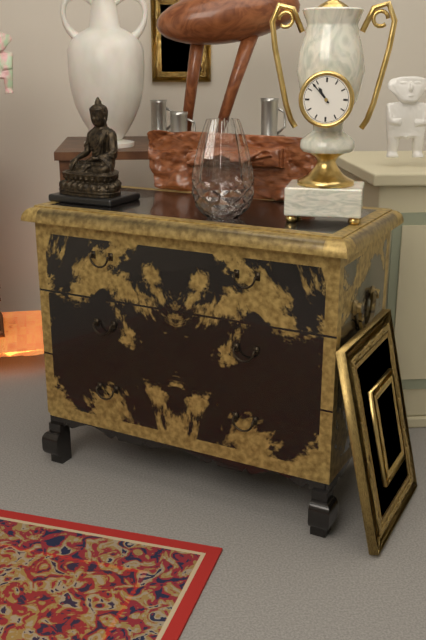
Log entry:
h=10 m=53
